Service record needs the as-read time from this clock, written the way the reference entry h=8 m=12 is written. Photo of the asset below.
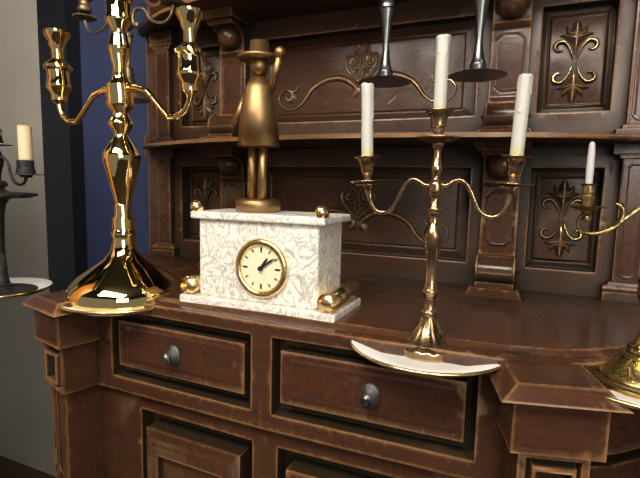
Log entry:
h=1 m=9
